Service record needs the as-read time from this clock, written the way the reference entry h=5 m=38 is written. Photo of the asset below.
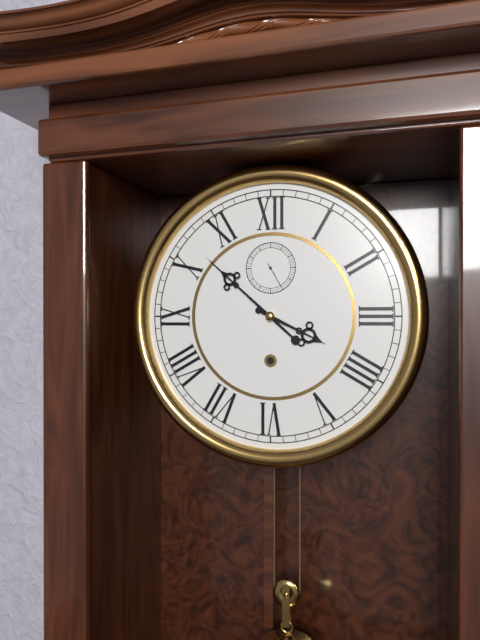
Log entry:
h=3 m=52
